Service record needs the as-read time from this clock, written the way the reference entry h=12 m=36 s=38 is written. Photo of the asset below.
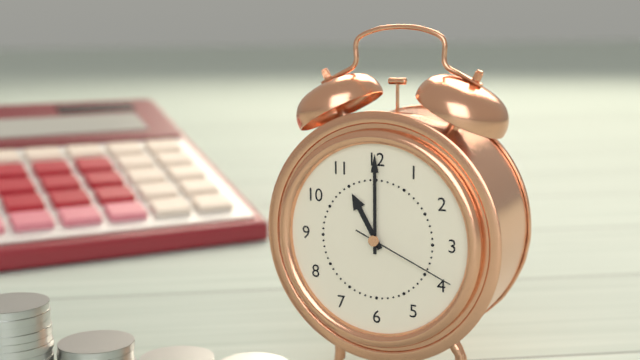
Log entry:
h=11 m=0 s=19
